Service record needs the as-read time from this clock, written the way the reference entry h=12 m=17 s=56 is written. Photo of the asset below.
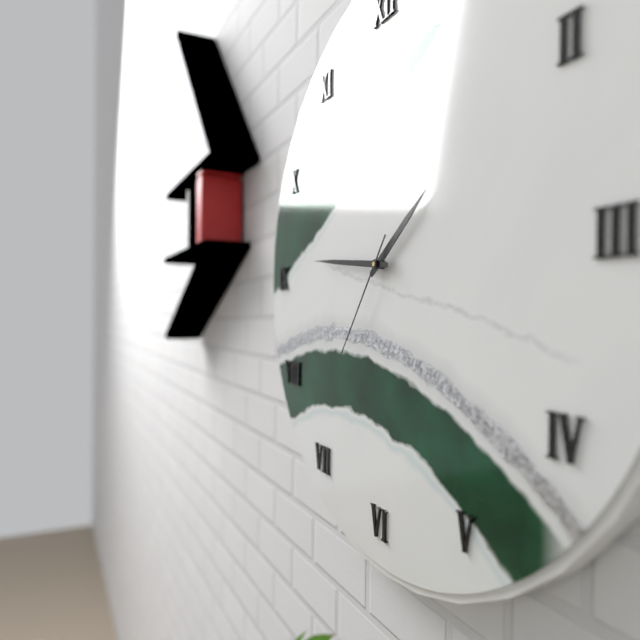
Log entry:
h=1 m=46 s=36
